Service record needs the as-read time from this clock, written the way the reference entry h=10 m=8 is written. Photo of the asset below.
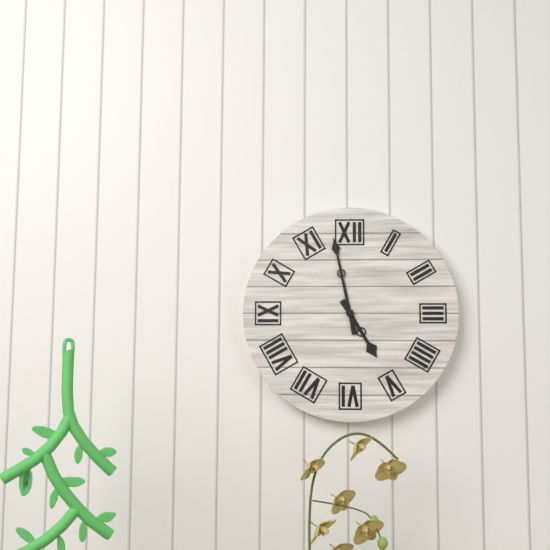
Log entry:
h=4 m=58
